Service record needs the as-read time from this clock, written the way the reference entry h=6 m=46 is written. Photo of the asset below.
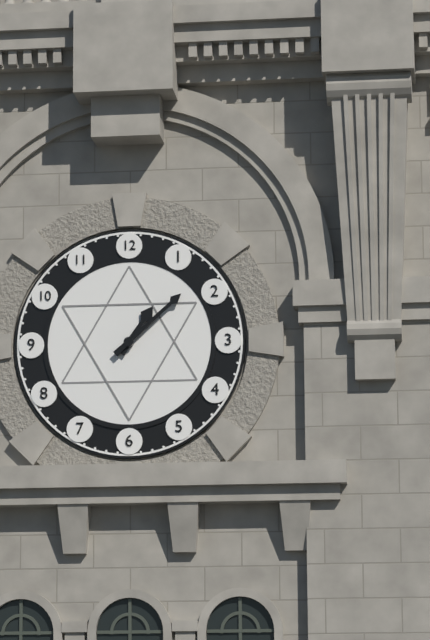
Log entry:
h=1 m=8
